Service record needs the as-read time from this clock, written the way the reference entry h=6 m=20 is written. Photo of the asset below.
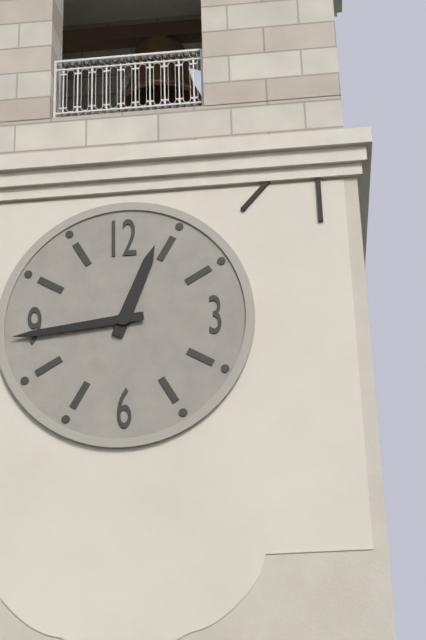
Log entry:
h=12 m=44
